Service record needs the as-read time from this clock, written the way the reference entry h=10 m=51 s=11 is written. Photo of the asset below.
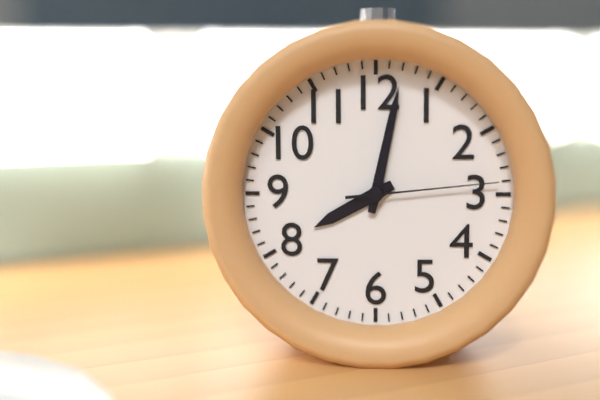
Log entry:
h=8 m=2 s=14
